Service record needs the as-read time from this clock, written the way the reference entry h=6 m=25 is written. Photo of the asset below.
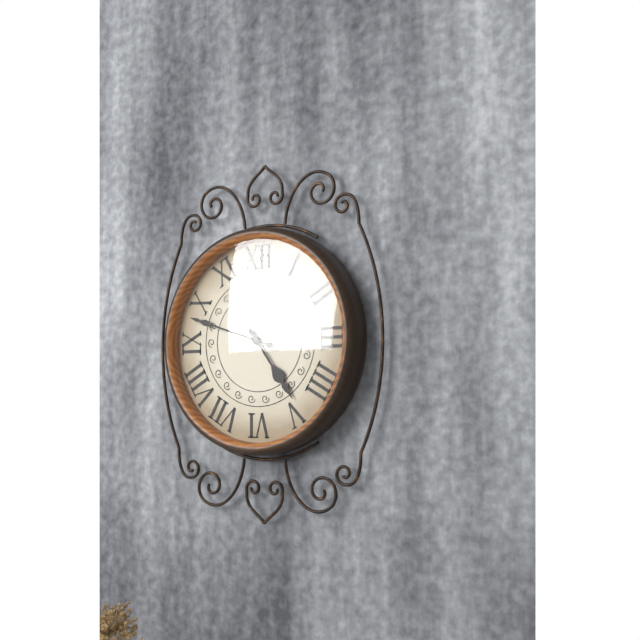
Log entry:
h=4 m=48
